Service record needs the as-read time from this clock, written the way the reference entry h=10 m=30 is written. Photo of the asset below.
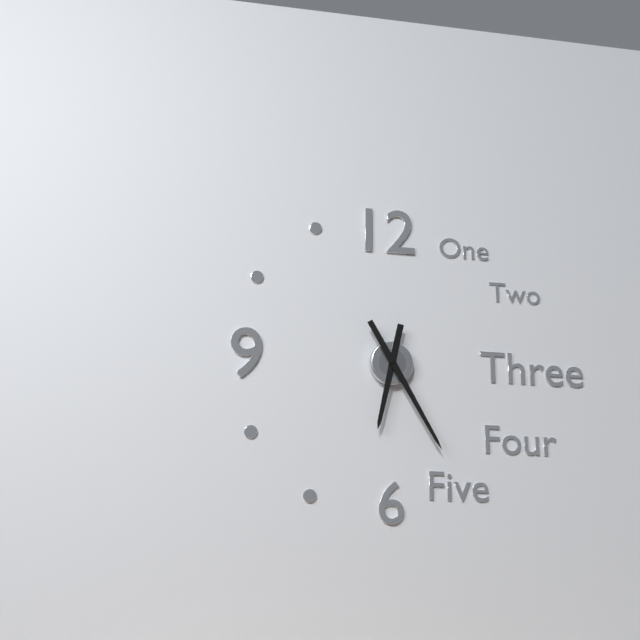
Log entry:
h=6 m=25
